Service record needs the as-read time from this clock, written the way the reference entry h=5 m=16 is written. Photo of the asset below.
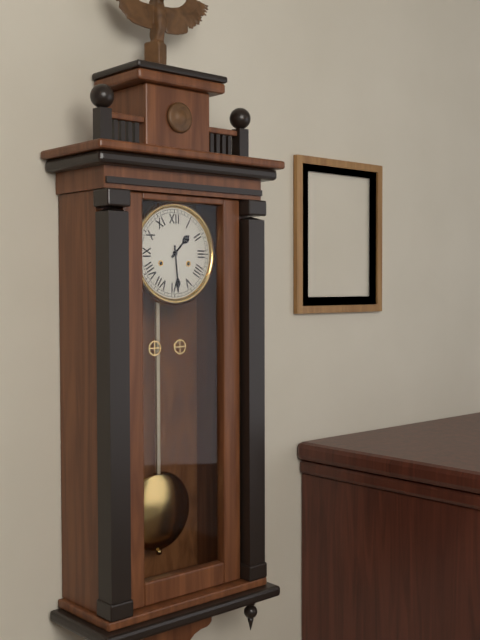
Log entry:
h=1 m=29
